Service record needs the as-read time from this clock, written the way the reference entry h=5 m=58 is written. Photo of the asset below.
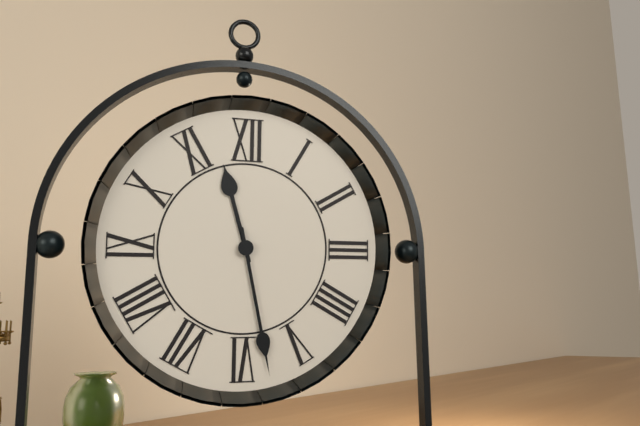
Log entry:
h=11 m=28
